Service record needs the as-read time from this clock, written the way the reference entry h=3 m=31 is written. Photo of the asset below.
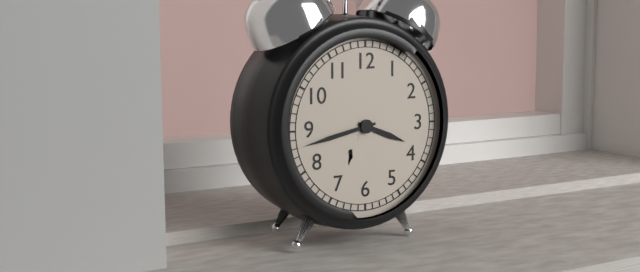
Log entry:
h=3 m=43
